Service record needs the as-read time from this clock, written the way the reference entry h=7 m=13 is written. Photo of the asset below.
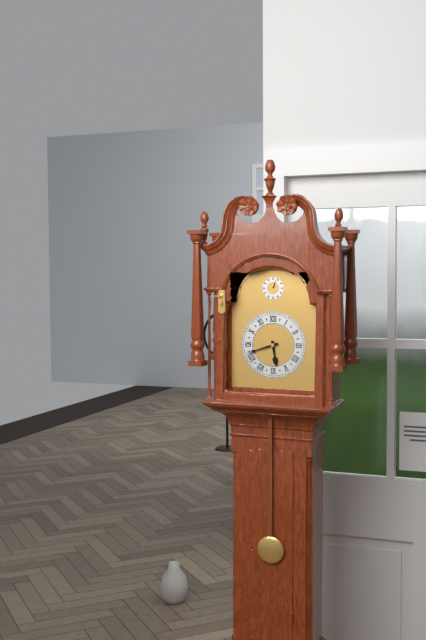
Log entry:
h=5 m=42
